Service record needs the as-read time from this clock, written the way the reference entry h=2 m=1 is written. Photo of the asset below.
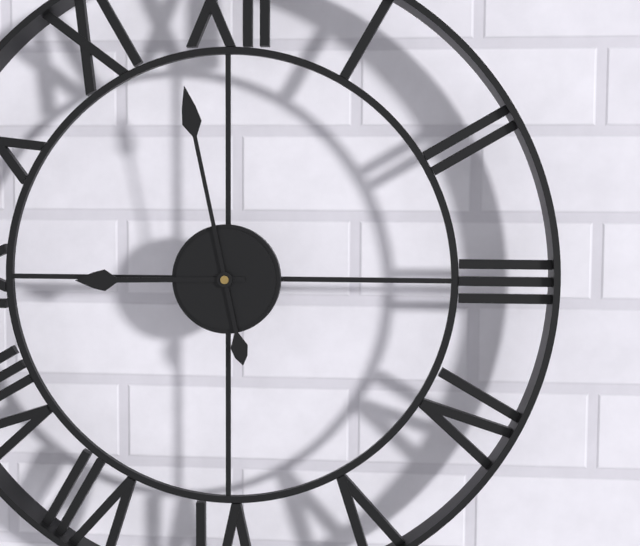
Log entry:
h=8 m=58
